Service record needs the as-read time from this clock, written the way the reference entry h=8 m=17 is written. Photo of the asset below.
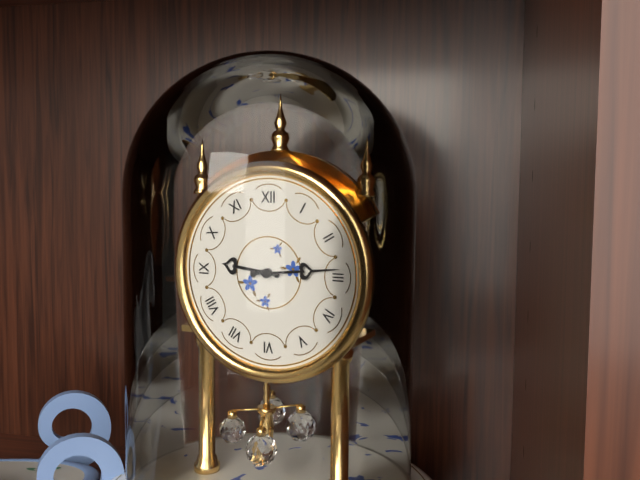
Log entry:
h=9 m=14
